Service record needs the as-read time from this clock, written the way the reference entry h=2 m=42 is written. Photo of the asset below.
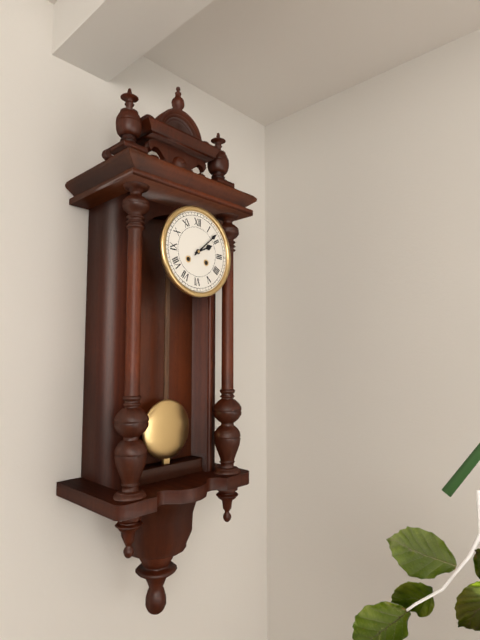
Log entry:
h=2 m=8
